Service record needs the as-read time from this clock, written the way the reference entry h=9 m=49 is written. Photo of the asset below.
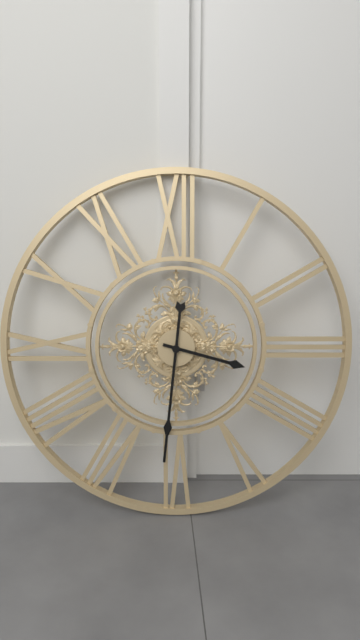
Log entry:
h=3 m=31
